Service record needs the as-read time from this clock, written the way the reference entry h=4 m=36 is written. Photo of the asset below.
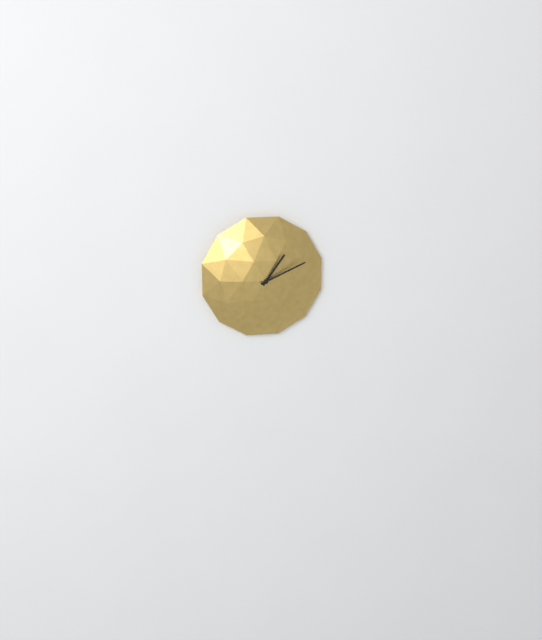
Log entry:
h=1 m=11
